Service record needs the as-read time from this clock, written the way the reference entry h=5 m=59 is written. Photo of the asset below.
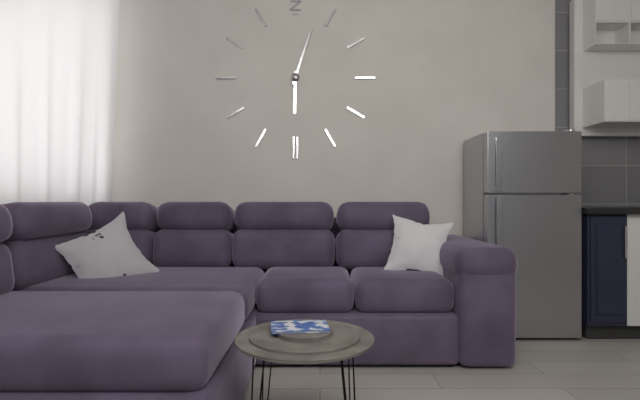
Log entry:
h=6 m=3
